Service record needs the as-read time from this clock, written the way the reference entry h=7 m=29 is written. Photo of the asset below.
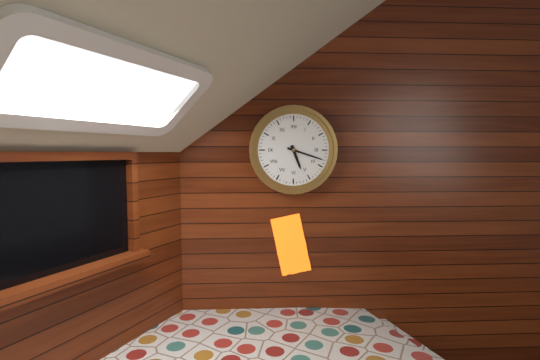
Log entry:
h=5 m=18
